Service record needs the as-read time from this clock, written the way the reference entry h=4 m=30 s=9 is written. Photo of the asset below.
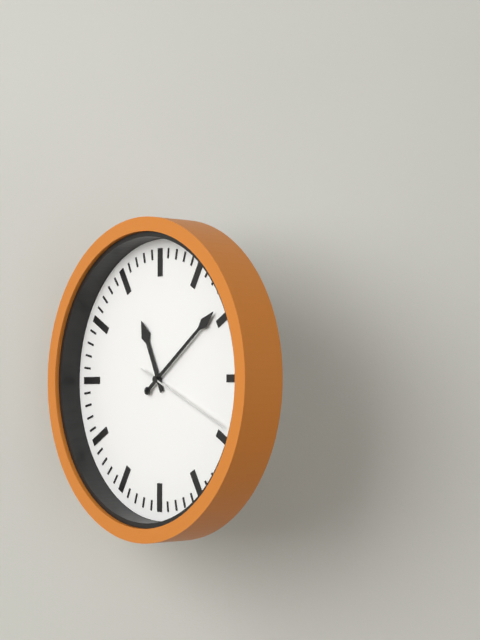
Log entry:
h=11 m=9 s=19
